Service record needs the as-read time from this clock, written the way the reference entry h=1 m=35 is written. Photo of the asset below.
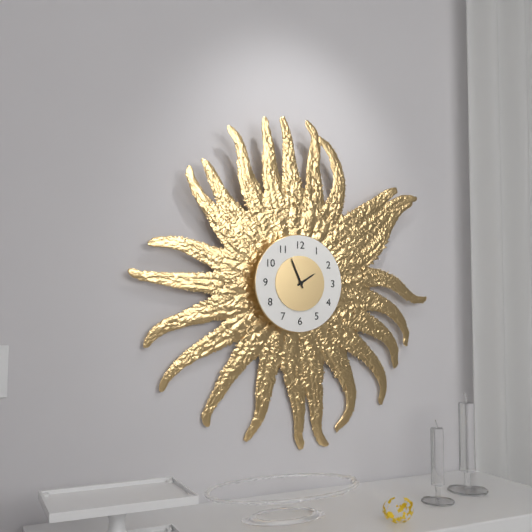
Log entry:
h=1 m=56
